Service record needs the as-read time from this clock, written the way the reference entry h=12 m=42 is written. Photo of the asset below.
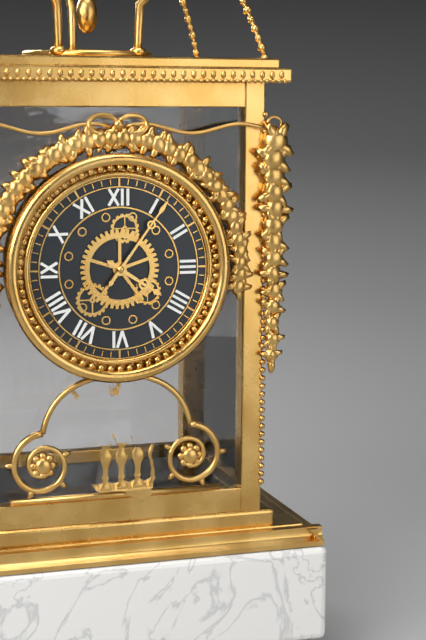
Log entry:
h=4 m=6
